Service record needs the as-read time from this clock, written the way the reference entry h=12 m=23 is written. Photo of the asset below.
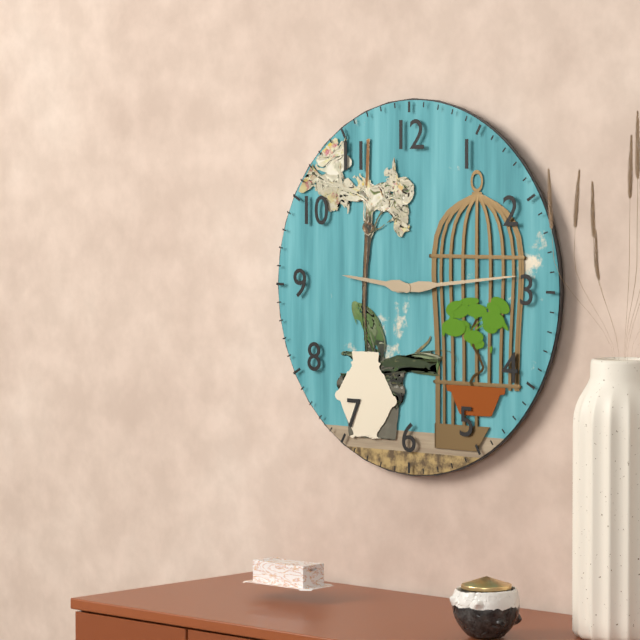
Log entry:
h=9 m=14
